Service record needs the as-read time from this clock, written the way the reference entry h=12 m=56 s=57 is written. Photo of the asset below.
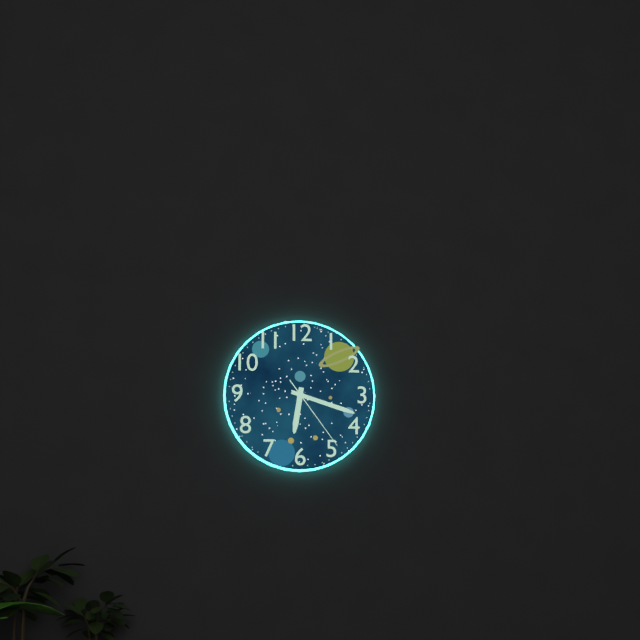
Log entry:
h=6 m=18 s=24
